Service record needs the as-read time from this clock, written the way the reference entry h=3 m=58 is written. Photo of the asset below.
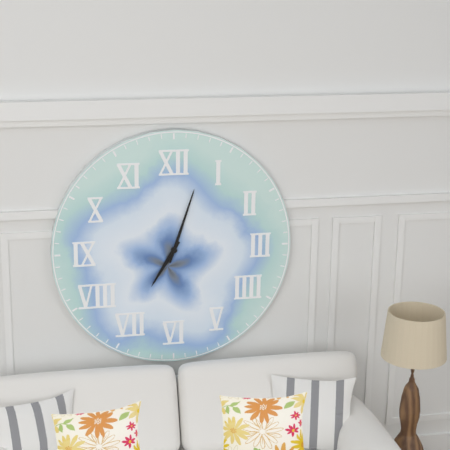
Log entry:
h=7 m=3
